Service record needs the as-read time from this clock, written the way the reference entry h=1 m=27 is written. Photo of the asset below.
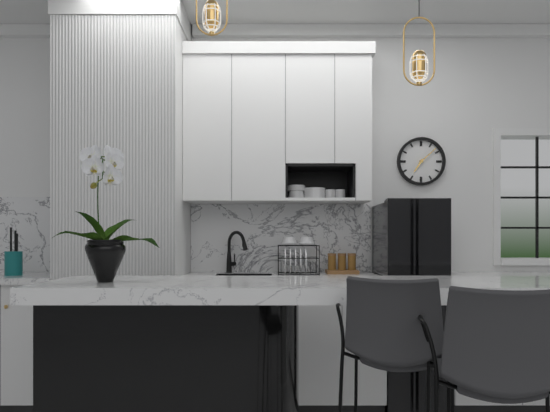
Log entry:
h=7 m=8
